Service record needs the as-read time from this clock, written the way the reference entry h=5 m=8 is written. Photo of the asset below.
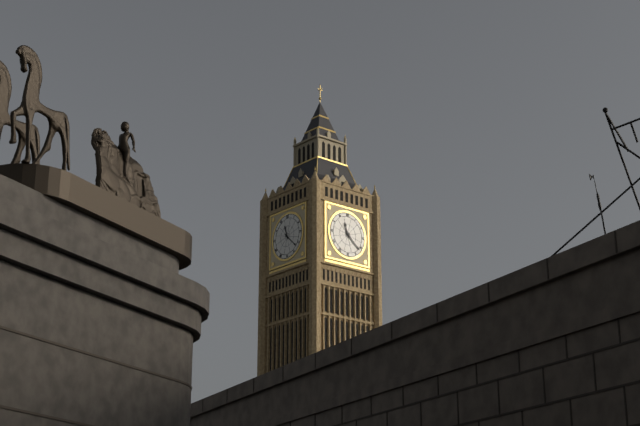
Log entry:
h=11 m=22
